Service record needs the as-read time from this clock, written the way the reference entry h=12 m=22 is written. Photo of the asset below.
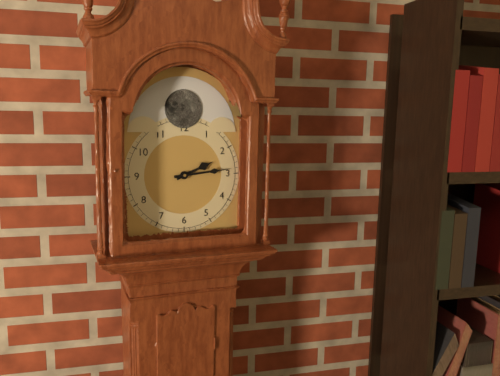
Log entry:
h=2 m=14
